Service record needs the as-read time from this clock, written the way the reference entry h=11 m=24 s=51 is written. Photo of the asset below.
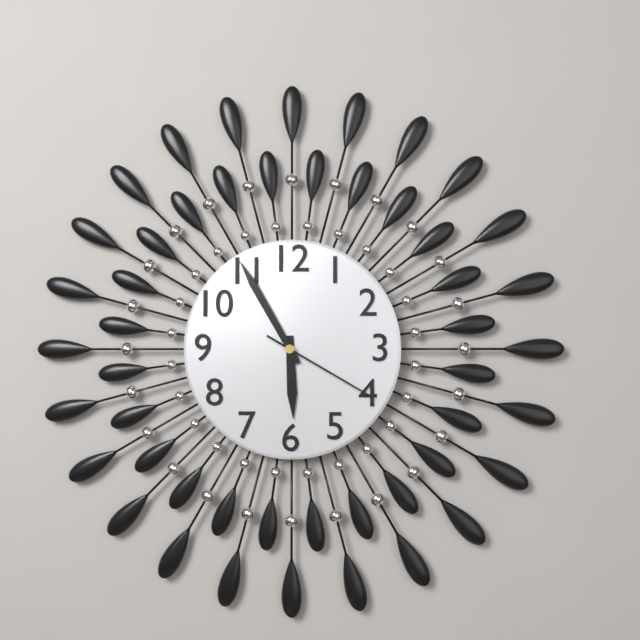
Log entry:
h=5 m=55 s=20
